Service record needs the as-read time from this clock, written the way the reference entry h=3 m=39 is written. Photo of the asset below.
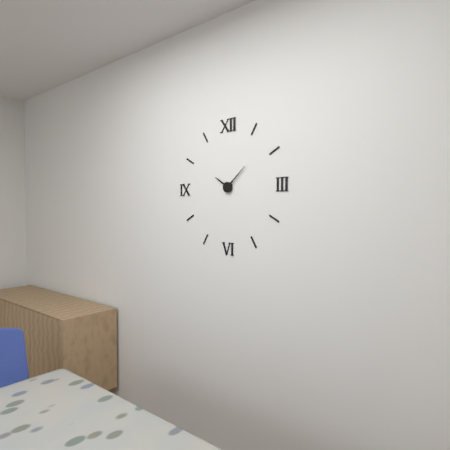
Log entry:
h=10 m=8
